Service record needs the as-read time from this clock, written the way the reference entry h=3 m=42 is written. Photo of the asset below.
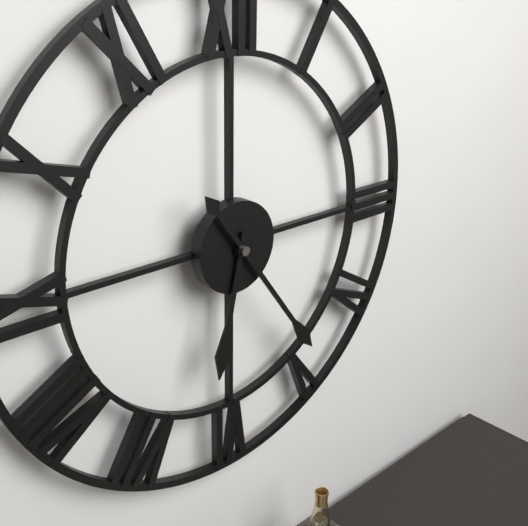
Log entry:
h=6 m=24
